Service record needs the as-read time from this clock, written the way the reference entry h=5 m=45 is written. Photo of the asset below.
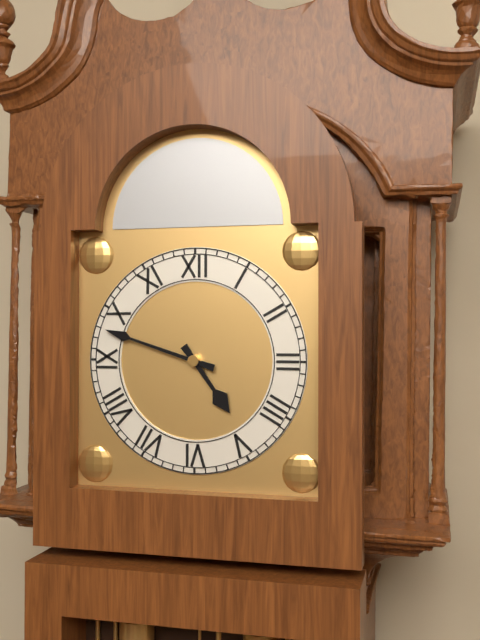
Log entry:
h=4 m=48
